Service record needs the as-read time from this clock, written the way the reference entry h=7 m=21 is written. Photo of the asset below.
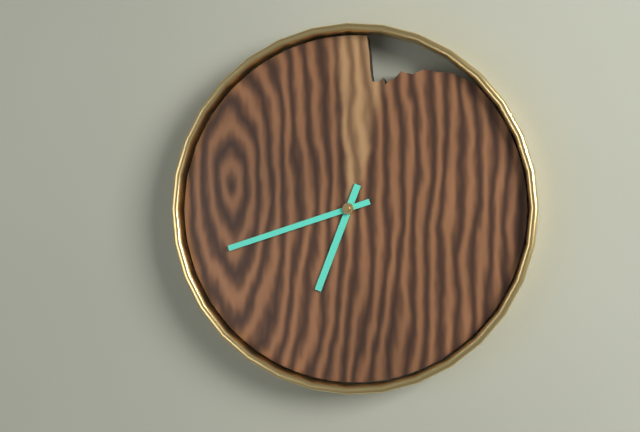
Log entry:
h=6 m=42
